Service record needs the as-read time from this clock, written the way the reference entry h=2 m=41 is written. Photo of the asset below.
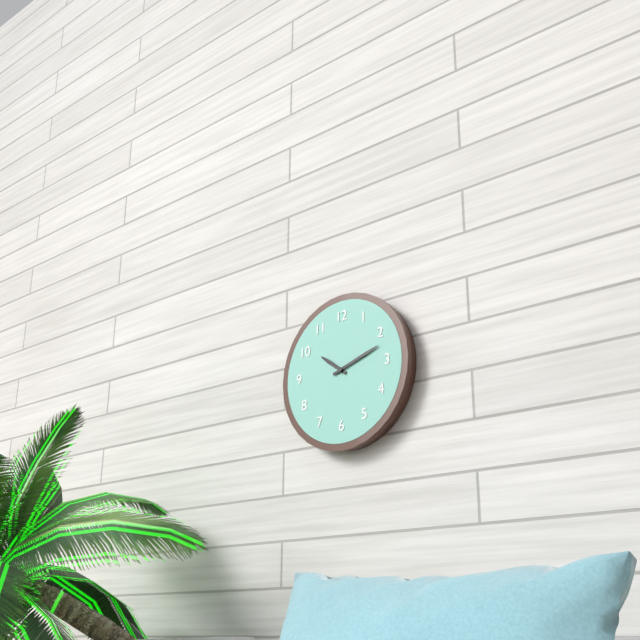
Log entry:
h=10 m=12
